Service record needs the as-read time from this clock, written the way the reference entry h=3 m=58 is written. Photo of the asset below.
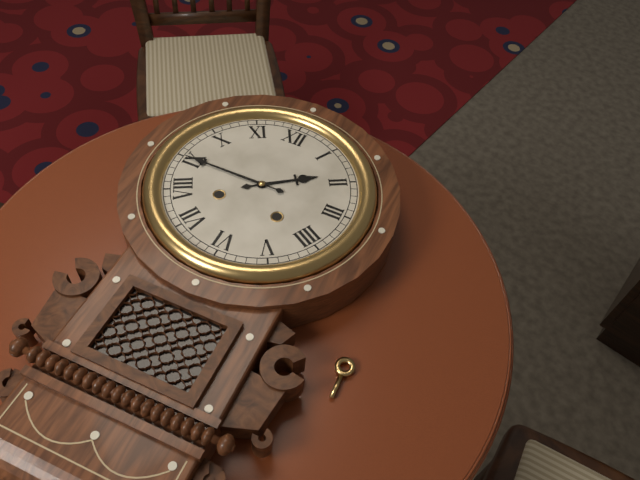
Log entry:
h=1 m=45
